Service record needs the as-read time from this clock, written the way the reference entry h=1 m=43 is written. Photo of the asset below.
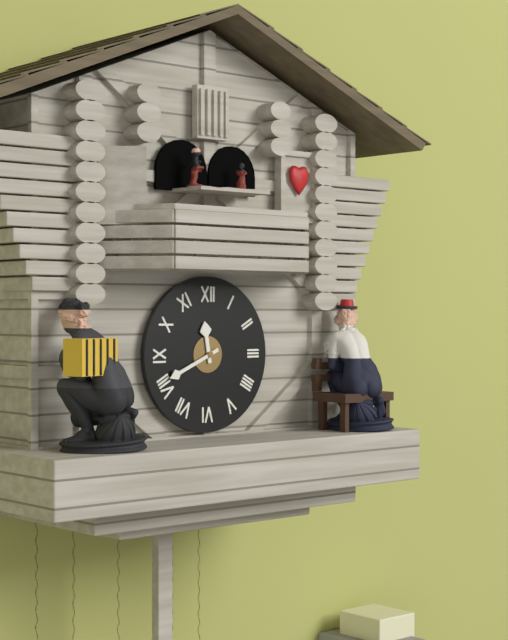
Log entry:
h=11 m=41
